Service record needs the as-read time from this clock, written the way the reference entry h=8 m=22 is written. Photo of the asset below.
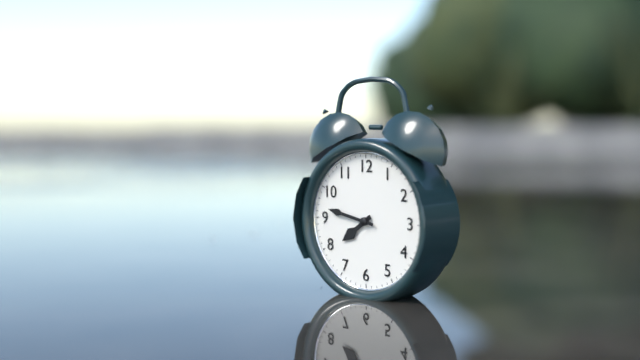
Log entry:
h=7 m=47
